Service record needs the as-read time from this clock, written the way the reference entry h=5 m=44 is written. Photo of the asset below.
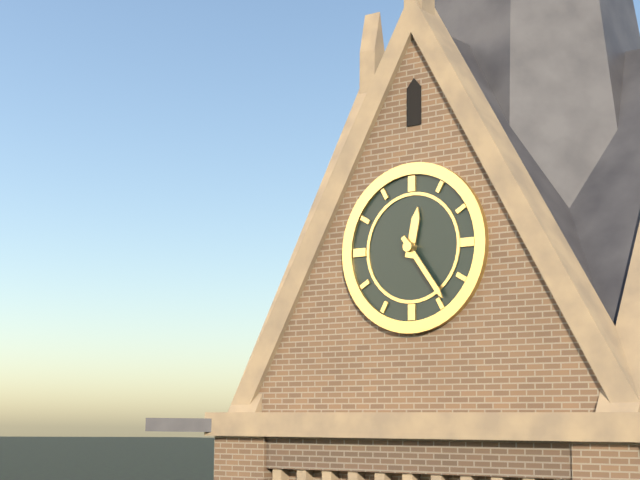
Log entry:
h=12 m=24
